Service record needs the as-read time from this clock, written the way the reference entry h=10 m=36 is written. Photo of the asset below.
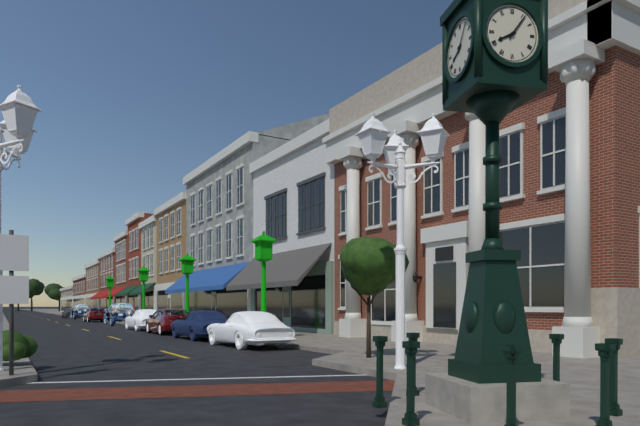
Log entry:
h=8 m=6
